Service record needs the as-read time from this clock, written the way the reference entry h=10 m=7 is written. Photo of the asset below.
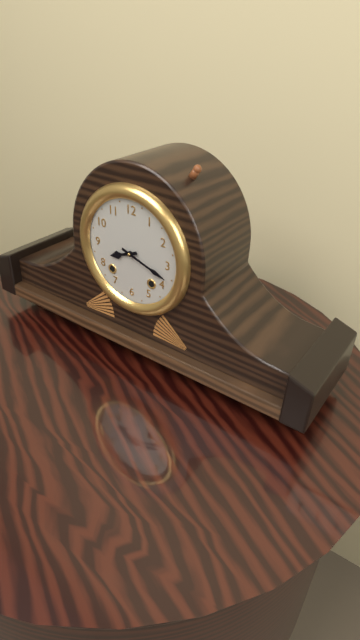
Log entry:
h=8 m=18
